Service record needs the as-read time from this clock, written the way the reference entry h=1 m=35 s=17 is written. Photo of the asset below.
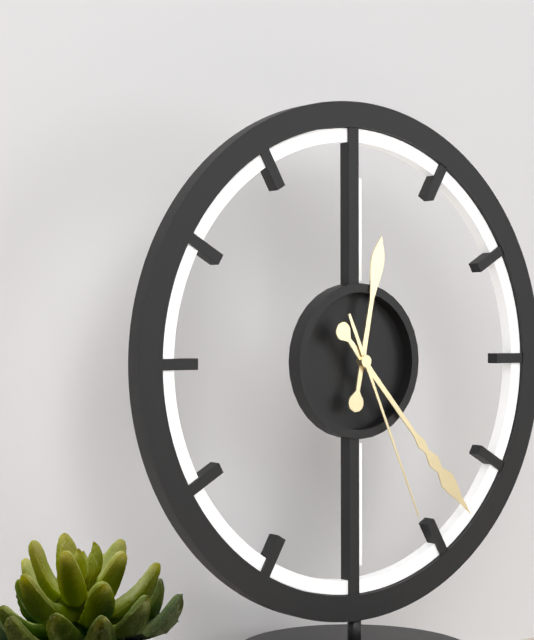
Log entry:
h=12 m=23 s=26
